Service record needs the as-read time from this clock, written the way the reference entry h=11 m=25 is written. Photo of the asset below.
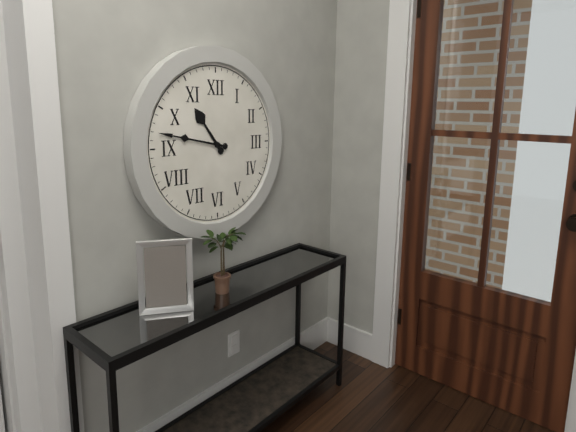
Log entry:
h=10 m=47
